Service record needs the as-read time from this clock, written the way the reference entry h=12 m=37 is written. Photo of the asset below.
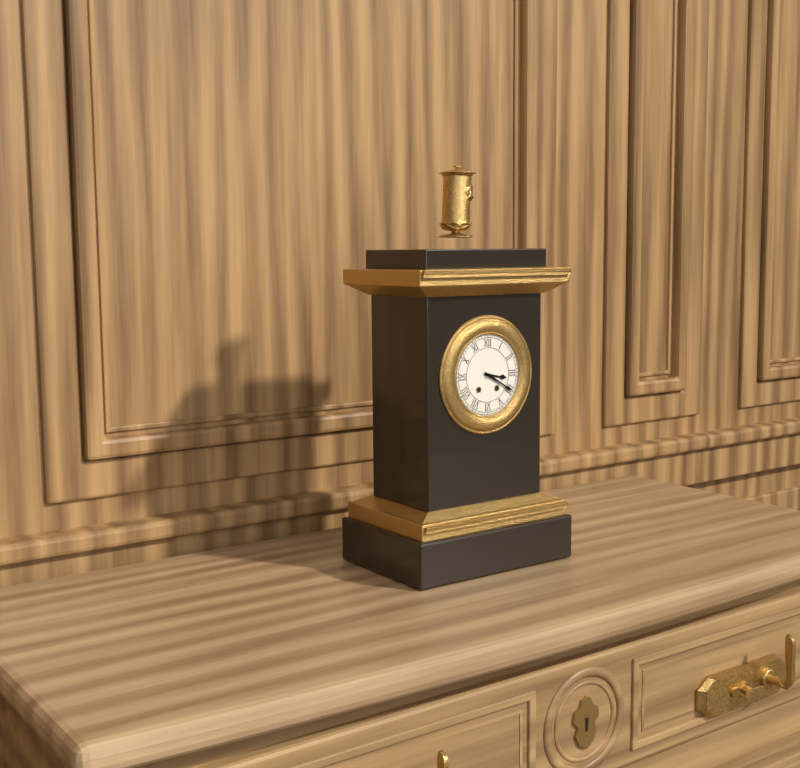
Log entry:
h=3 m=20
